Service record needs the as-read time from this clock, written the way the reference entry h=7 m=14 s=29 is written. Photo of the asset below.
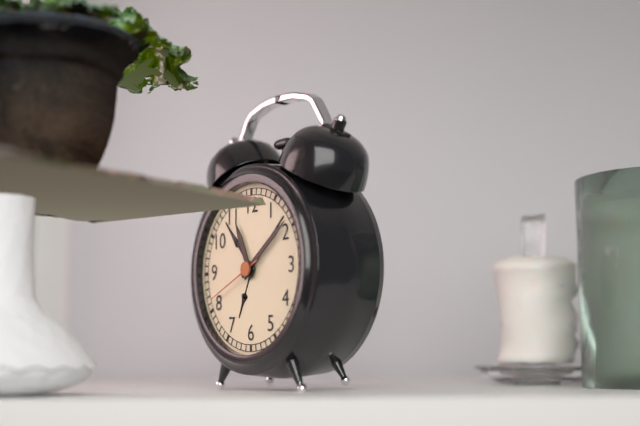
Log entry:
h=11 m=9 s=41
